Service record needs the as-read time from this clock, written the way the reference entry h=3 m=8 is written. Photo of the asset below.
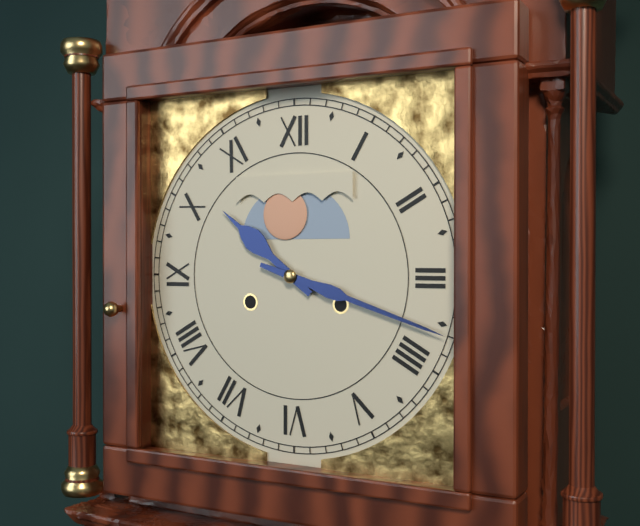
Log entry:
h=10 m=18
